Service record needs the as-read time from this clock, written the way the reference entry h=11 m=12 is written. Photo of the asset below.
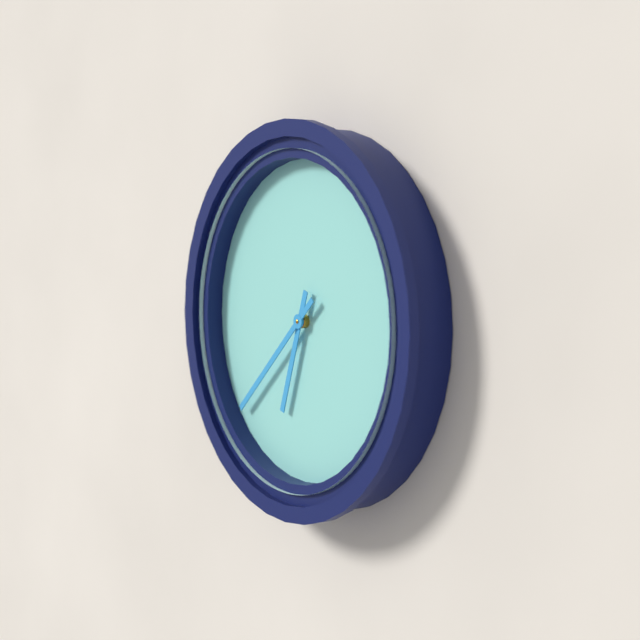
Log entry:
h=6 m=38
